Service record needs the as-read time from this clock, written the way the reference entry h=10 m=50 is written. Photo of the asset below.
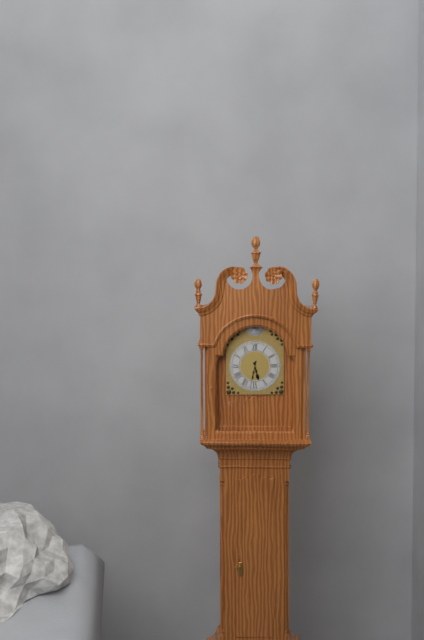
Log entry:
h=5 m=32
